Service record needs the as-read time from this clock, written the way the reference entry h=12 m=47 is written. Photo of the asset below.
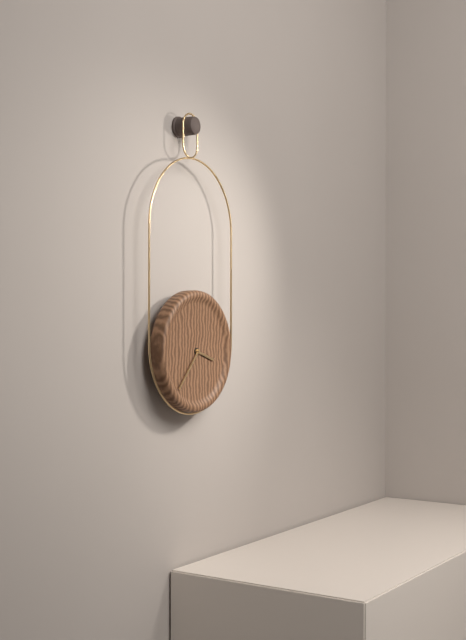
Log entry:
h=3 m=37
